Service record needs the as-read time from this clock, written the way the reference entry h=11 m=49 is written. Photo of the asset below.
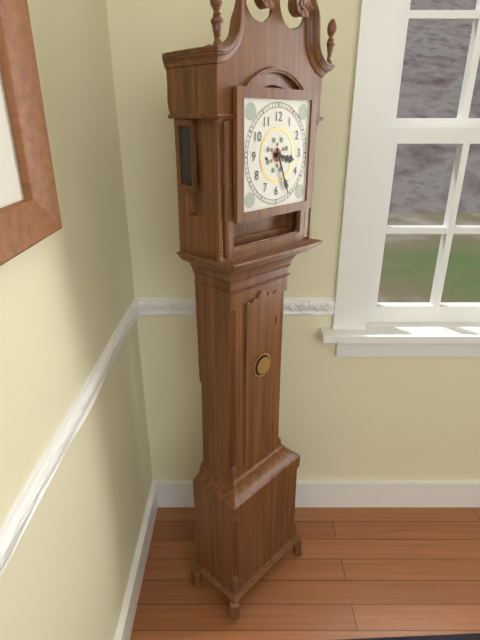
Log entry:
h=3 m=26
